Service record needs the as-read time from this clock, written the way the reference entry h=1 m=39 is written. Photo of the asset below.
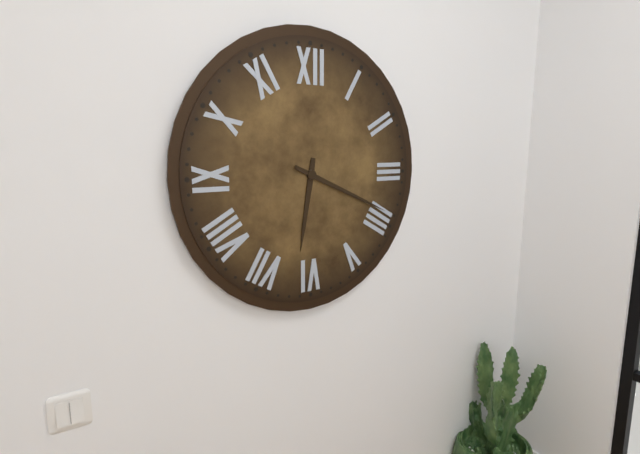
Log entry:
h=6 m=19
